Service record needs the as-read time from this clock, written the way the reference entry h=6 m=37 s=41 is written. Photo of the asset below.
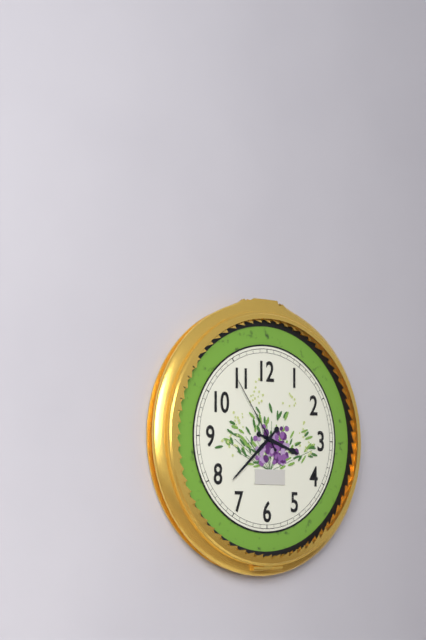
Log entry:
h=3 m=38 s=54
